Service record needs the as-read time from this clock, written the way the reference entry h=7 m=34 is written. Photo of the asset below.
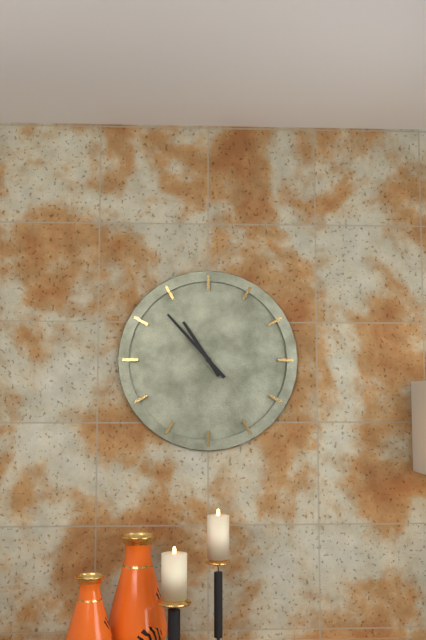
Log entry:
h=10 m=53
